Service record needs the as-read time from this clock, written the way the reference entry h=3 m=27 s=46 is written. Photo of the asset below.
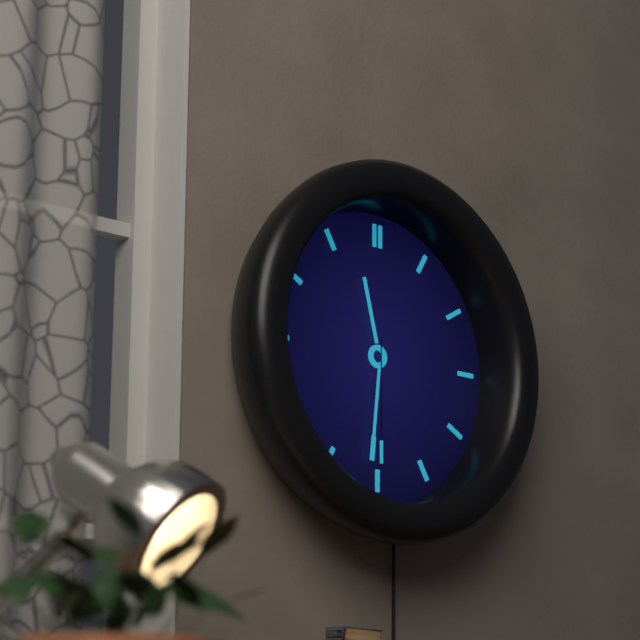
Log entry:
h=11 m=31 s=30
